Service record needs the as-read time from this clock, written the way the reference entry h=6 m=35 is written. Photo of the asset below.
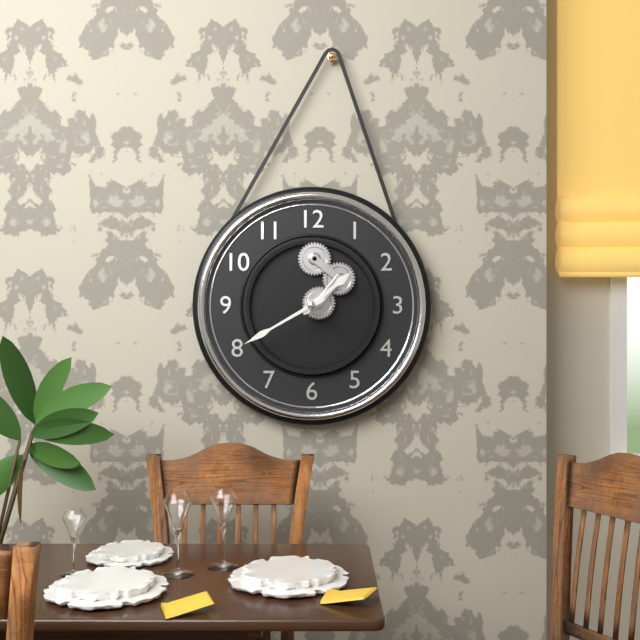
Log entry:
h=1 m=40
